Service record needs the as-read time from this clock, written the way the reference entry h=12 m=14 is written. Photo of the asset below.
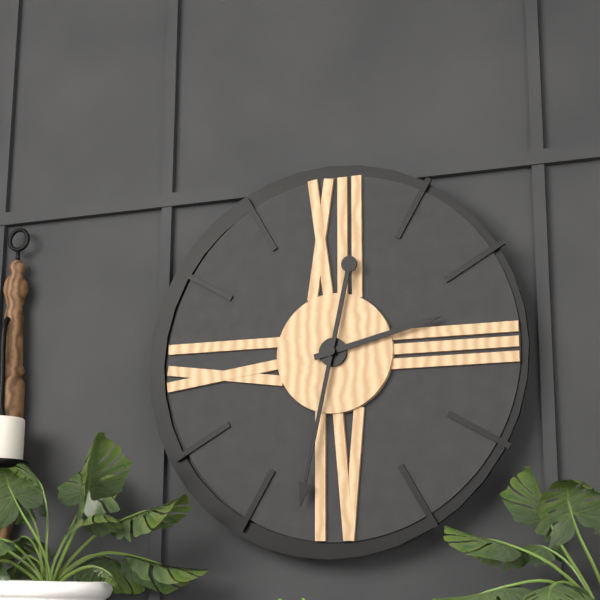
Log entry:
h=2 m=32
